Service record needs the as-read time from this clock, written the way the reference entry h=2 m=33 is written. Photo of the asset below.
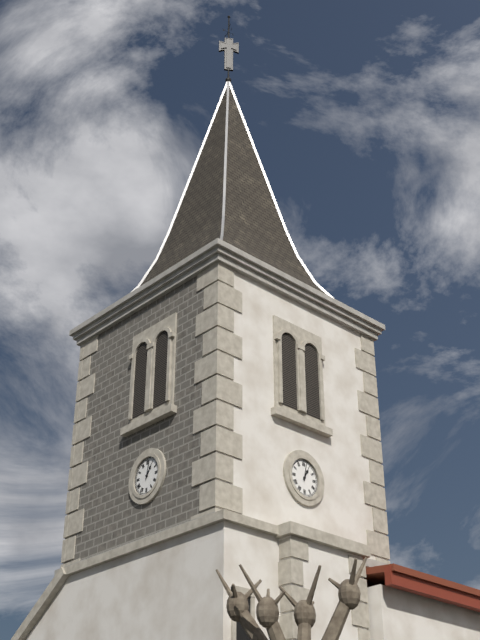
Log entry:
h=1 m=2
